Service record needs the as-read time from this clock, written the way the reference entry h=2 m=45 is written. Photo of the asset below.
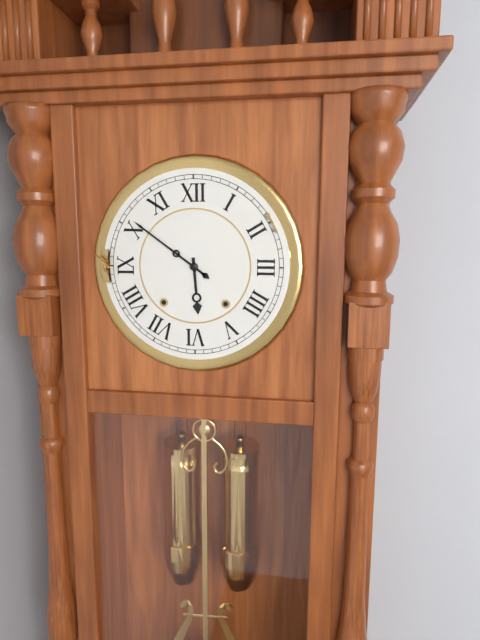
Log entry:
h=5 m=51
